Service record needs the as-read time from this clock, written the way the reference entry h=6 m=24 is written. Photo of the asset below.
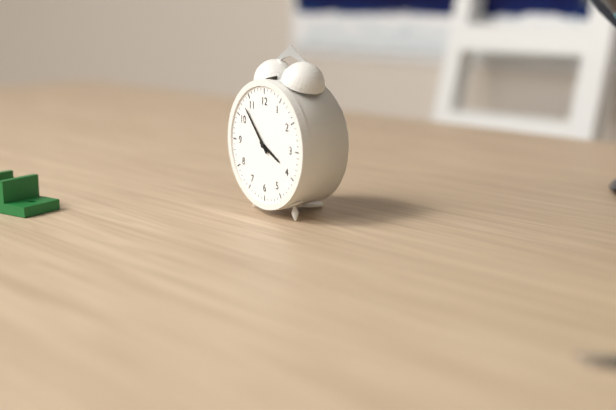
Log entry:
h=3 m=53
